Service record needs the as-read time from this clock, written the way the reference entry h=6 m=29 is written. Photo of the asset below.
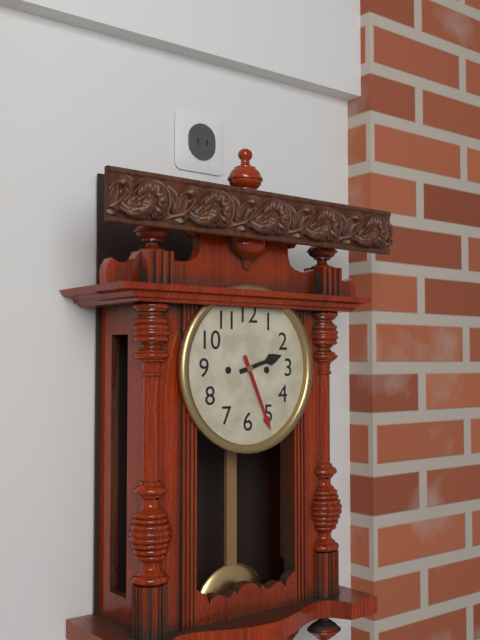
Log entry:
h=2 m=26
